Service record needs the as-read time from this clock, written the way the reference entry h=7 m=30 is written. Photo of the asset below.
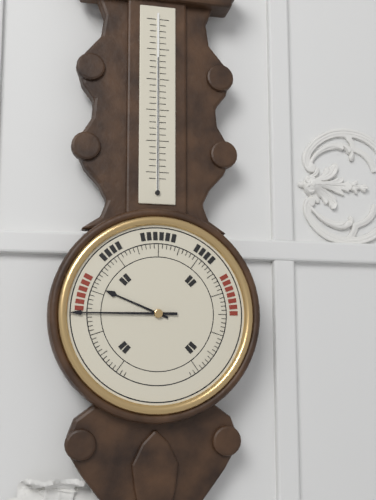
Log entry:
h=9 m=45
